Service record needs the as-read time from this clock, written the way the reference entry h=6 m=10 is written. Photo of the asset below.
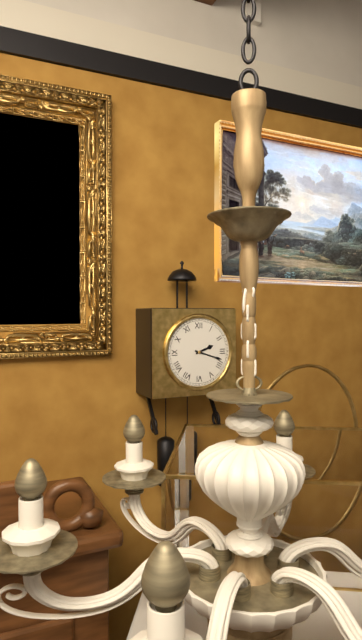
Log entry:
h=2 m=18
